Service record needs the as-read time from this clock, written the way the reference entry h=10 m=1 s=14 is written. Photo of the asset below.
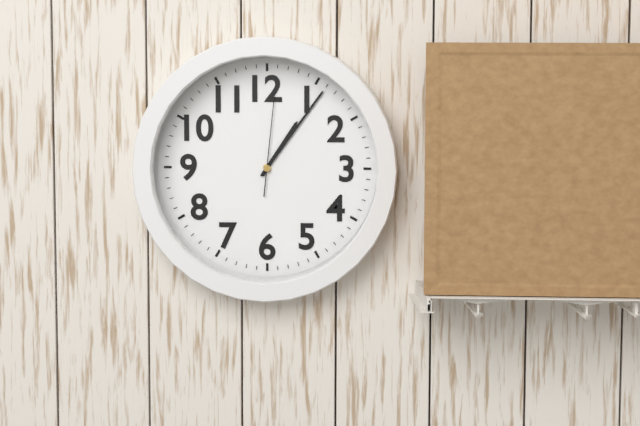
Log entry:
h=1 m=6 s=1
